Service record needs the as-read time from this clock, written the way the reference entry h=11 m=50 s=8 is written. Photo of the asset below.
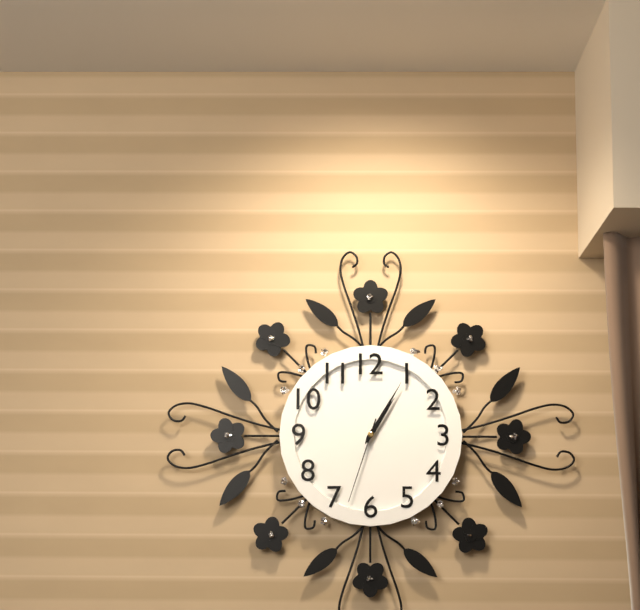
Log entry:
h=1 m=5 s=33
